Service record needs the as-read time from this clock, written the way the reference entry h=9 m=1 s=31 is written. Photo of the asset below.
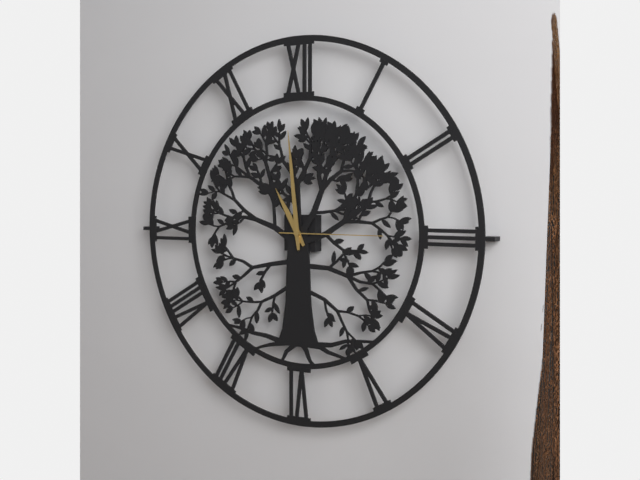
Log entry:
h=10 m=59 s=15
